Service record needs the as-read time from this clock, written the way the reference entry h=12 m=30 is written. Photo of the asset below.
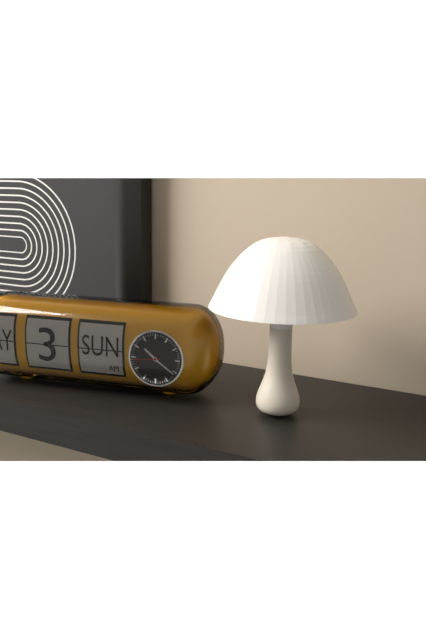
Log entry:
h=10 m=21
